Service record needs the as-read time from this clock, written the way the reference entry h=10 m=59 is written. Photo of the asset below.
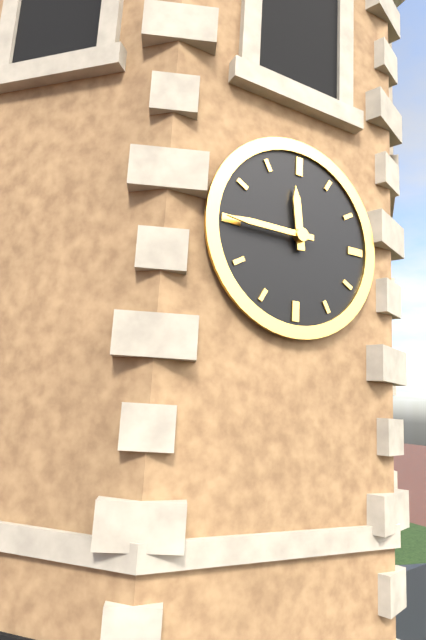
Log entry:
h=11 m=45
